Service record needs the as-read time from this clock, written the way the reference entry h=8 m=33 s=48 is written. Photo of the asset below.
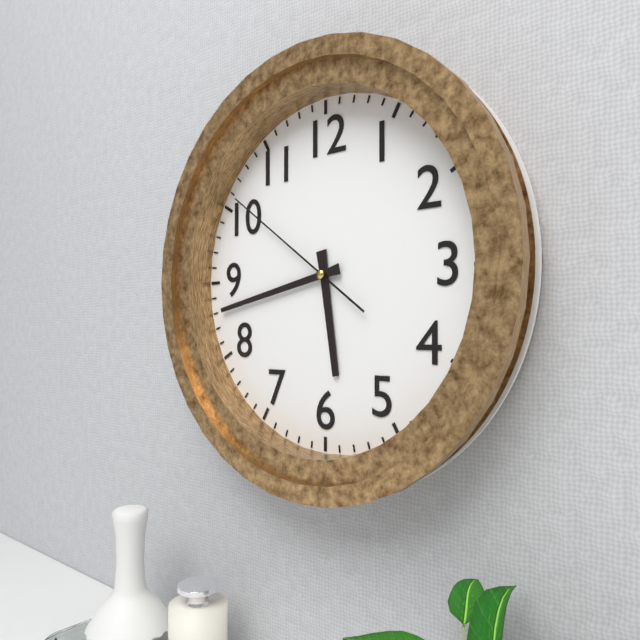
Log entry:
h=5 m=43 s=51
